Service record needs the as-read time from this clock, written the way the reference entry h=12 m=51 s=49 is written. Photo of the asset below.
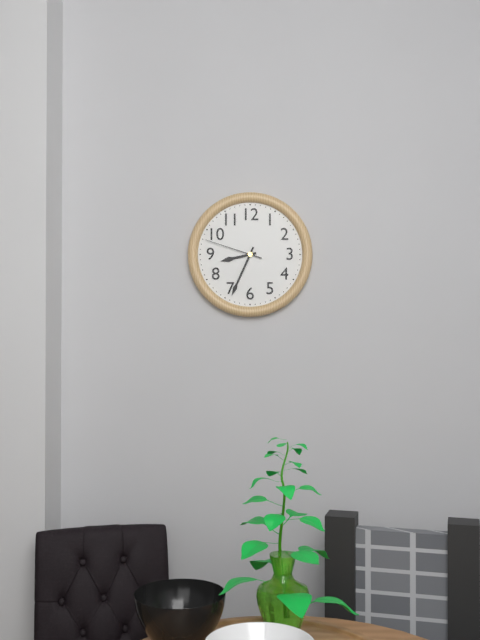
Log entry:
h=8 m=34 s=48
